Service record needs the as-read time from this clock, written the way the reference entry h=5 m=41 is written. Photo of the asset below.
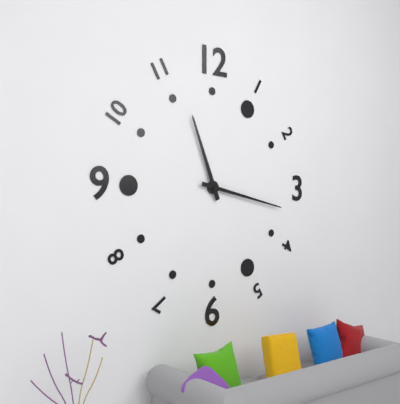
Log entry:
h=11 m=17
